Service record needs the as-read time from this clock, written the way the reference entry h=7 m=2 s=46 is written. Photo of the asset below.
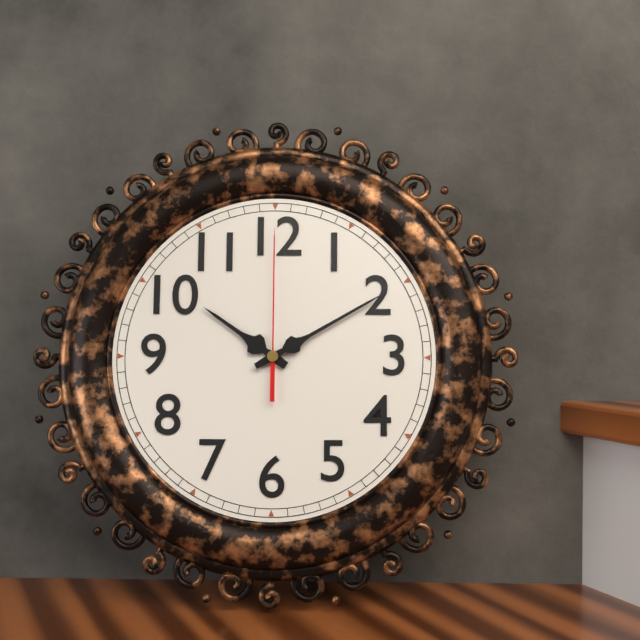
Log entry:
h=10 m=10 s=0
